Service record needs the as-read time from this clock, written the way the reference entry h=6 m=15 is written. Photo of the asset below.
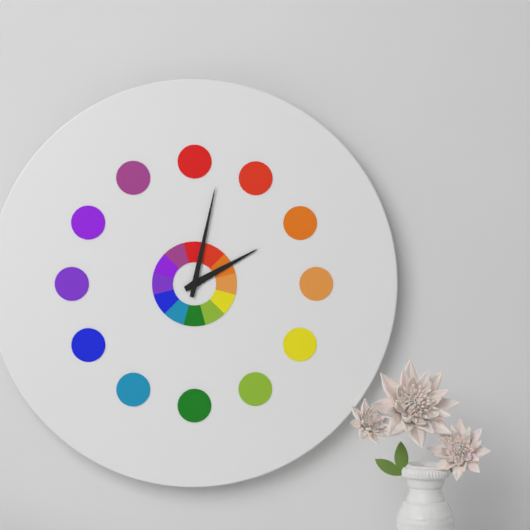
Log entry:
h=2 m=2
